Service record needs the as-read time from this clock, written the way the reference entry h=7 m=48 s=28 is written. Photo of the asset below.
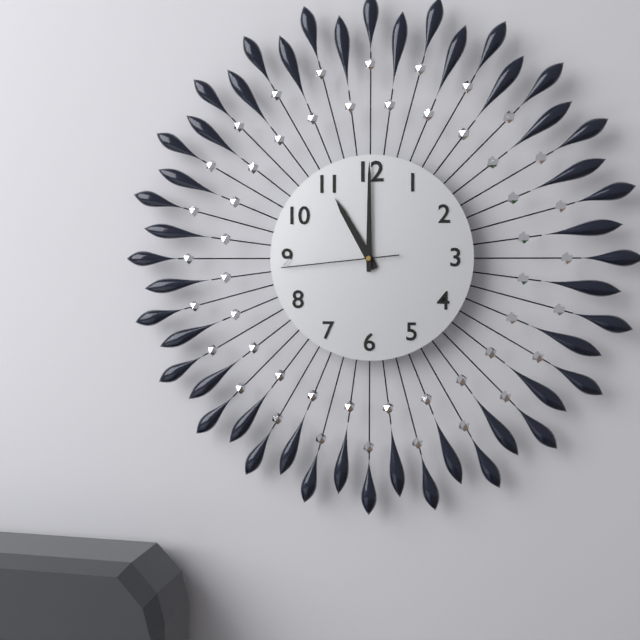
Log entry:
h=11 m=0 s=44
